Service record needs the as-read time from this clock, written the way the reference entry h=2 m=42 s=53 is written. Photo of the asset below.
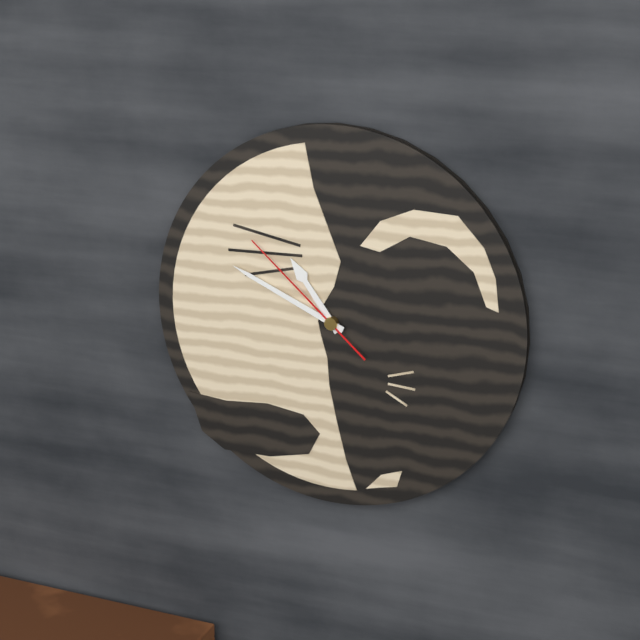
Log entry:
h=10 m=49 s=52
